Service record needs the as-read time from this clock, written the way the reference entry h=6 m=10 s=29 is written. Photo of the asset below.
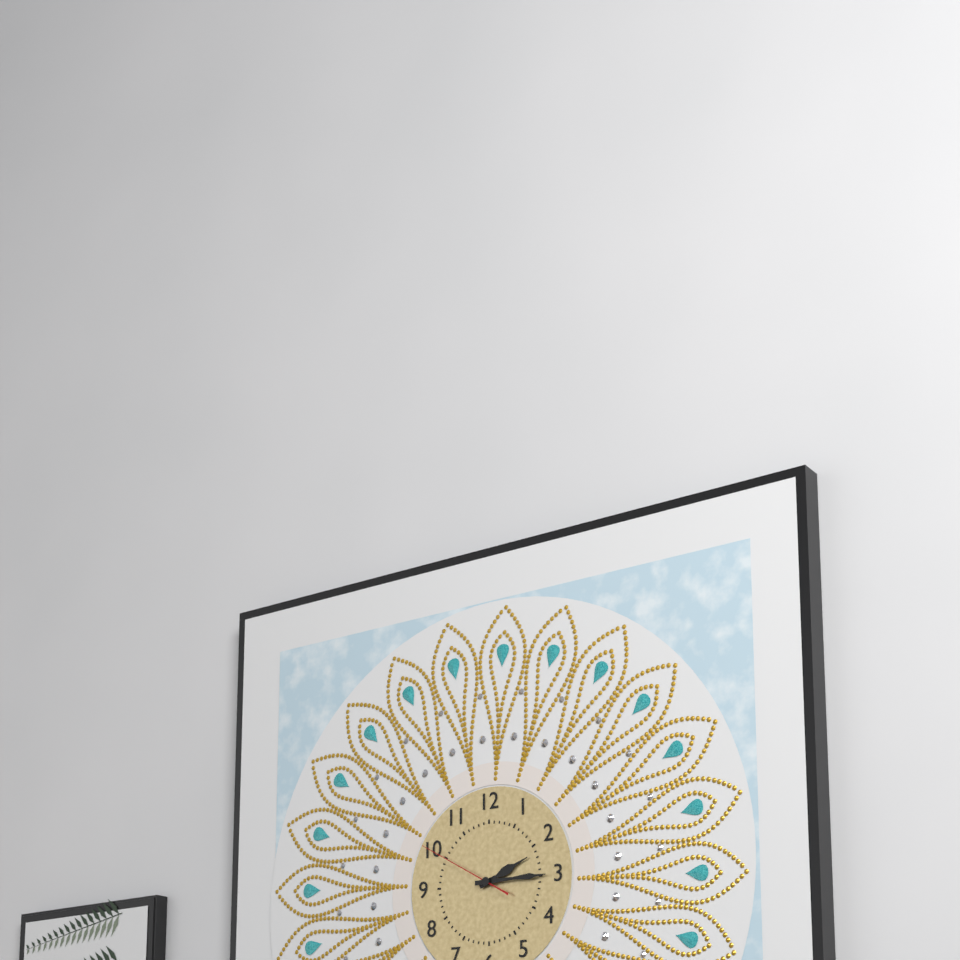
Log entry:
h=2 m=15 s=50
